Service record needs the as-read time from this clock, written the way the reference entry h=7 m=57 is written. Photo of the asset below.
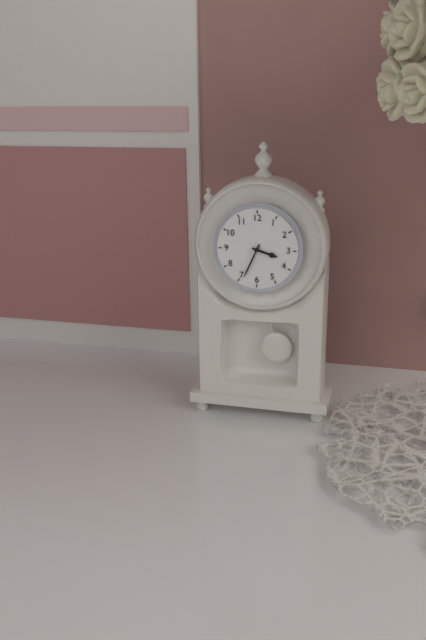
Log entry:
h=3 m=34
